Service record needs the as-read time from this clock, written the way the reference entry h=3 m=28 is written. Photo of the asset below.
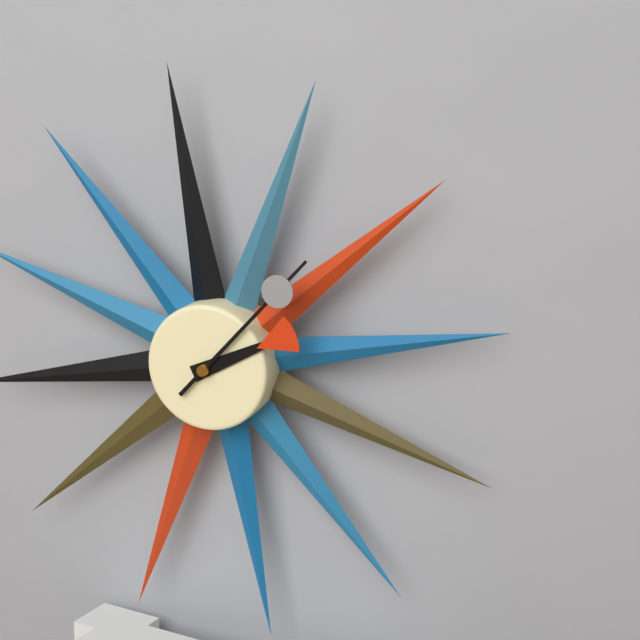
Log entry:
h=2 m=7
